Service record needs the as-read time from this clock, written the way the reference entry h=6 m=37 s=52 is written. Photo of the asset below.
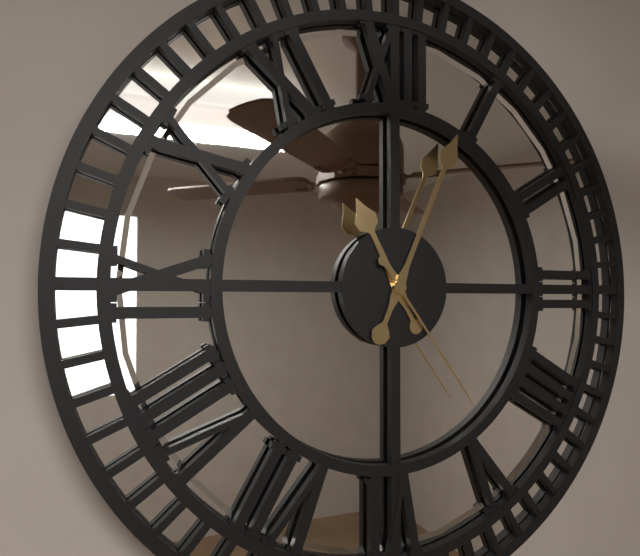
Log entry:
h=11 m=4 s=24
